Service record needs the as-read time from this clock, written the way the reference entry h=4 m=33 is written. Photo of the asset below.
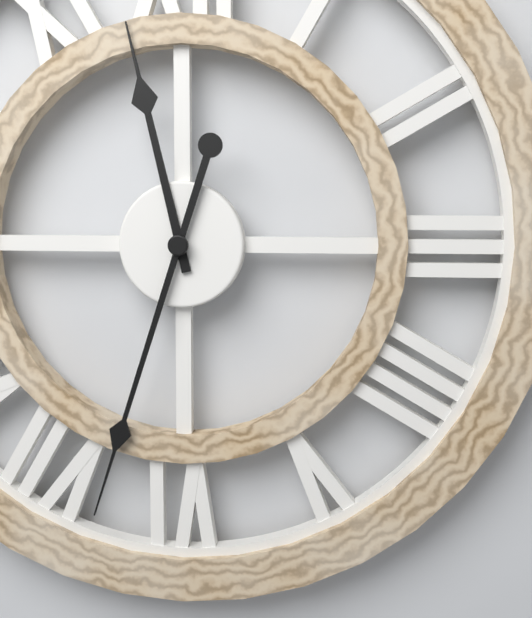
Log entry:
h=11 m=33
